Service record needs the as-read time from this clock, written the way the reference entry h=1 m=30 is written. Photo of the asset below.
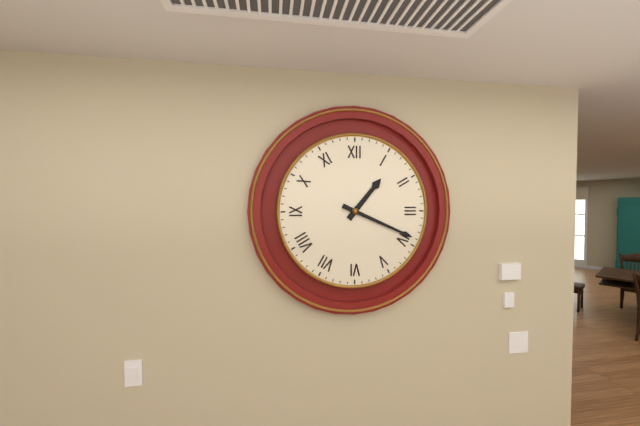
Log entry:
h=1 m=19
